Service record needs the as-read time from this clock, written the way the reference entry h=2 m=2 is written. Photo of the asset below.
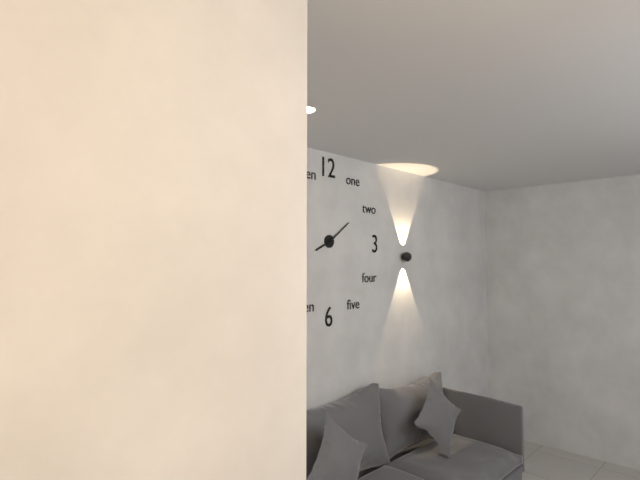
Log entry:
h=8 m=9
